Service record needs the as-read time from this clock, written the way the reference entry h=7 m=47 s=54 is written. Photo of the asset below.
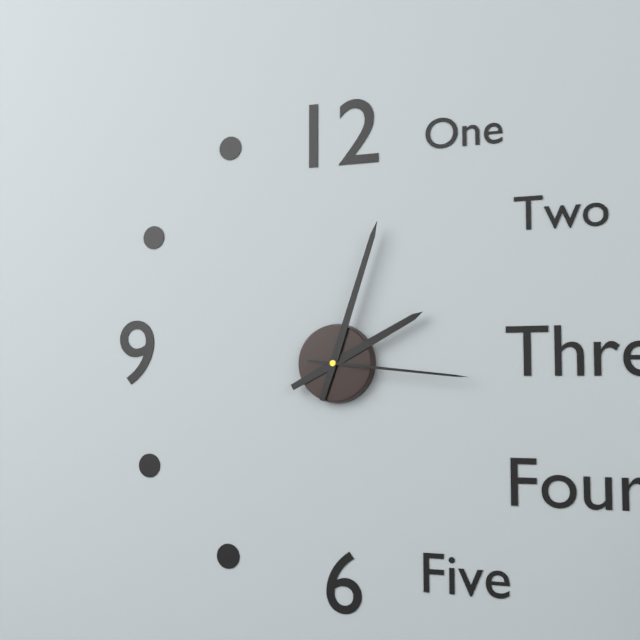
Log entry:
h=2 m=3 s=16
